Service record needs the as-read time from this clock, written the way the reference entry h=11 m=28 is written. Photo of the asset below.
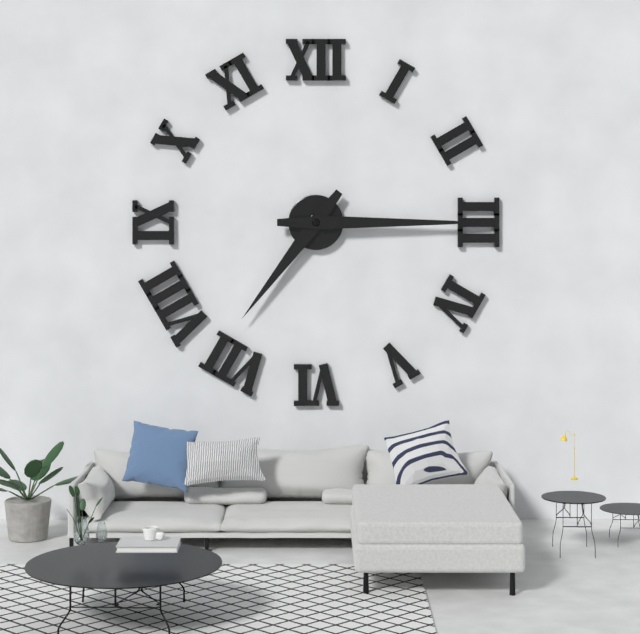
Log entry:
h=7 m=15
